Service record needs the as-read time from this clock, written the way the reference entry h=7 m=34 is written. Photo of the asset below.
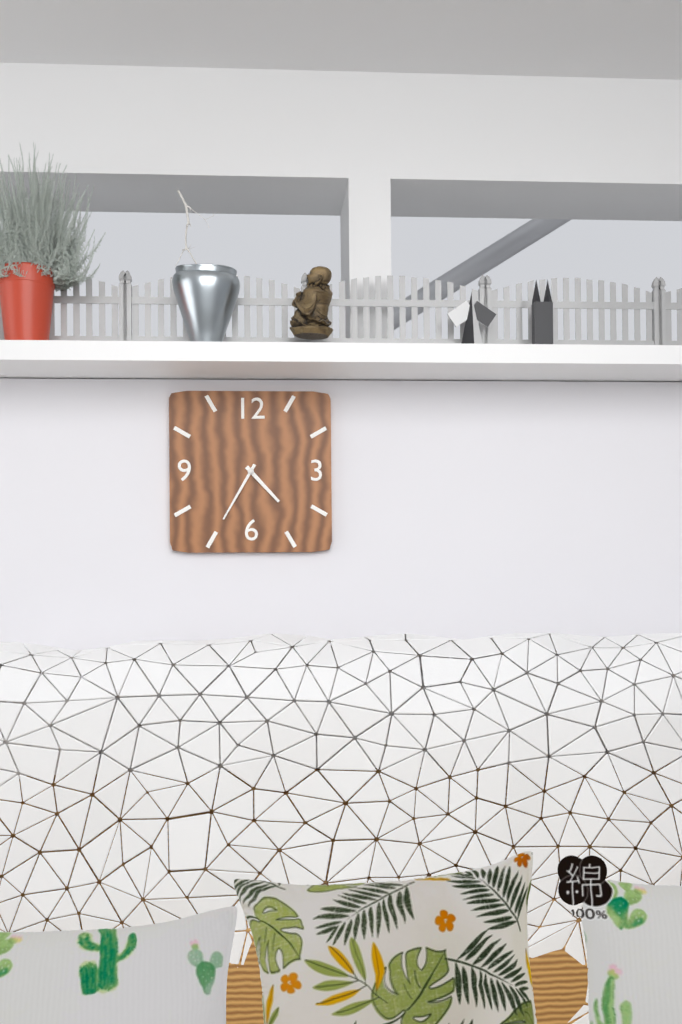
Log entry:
h=4 m=35
